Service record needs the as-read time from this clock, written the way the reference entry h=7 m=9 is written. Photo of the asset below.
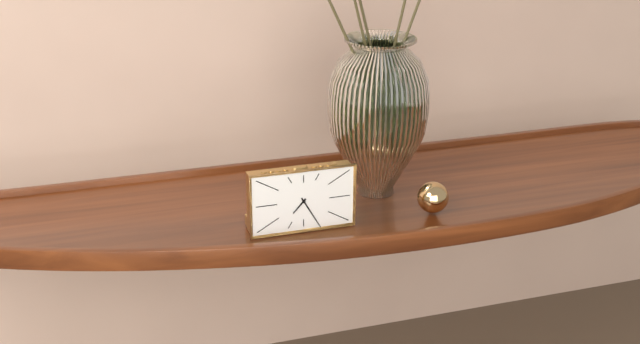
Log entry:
h=7 m=25
